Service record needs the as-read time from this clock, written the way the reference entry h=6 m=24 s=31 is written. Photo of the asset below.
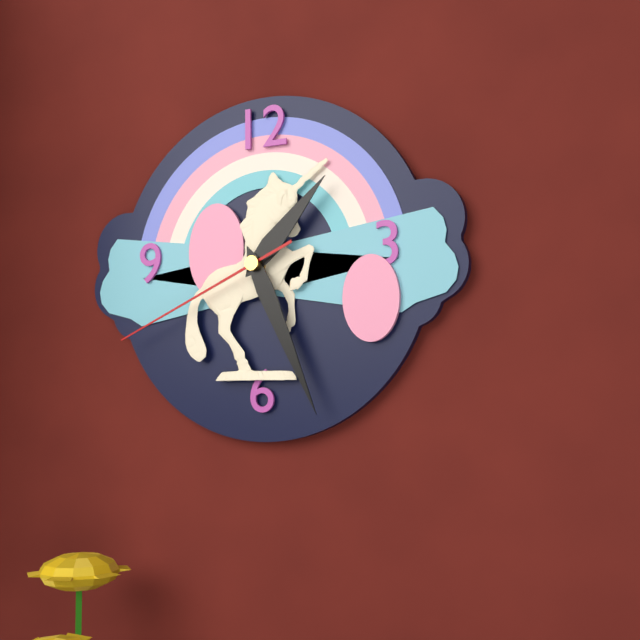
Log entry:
h=1 m=26 s=41
